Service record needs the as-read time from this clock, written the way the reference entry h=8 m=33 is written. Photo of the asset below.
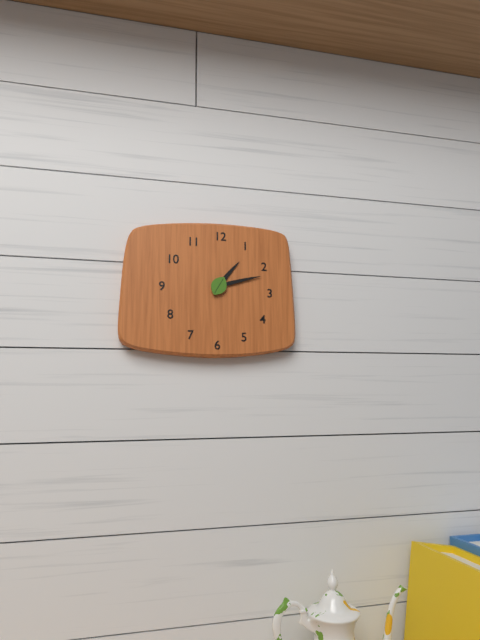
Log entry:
h=1 m=12
